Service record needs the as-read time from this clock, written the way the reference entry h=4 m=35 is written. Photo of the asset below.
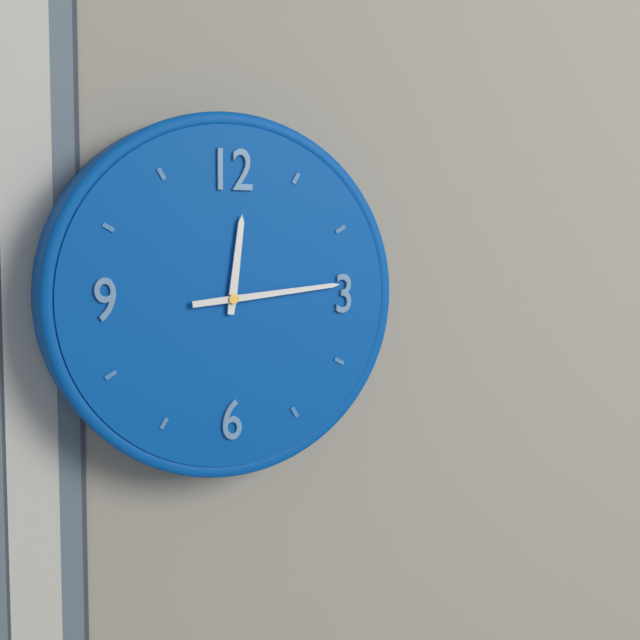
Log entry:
h=12 m=14
